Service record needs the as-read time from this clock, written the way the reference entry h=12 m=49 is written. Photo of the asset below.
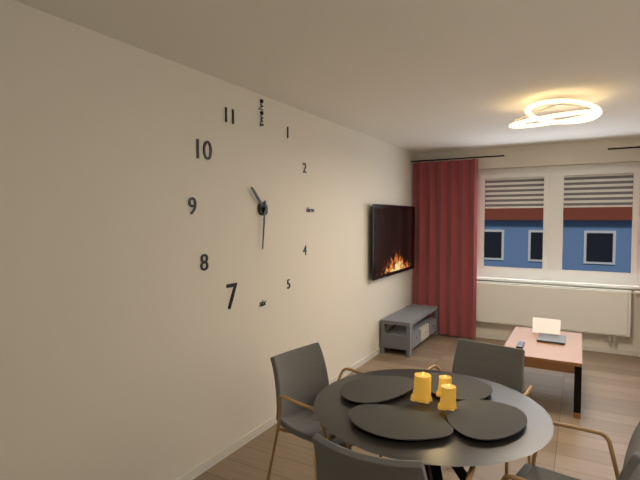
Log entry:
h=10 m=31
